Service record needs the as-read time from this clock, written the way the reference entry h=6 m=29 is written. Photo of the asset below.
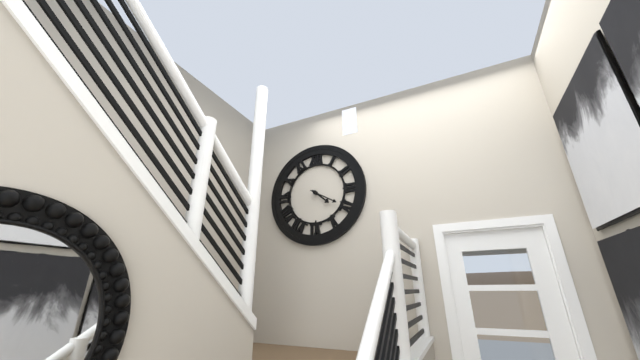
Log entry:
h=4 m=20
